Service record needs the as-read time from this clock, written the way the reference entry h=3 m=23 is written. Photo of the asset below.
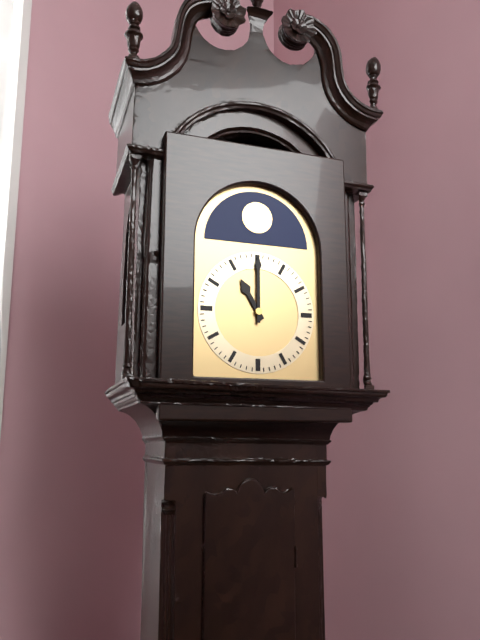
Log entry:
h=11 m=0
